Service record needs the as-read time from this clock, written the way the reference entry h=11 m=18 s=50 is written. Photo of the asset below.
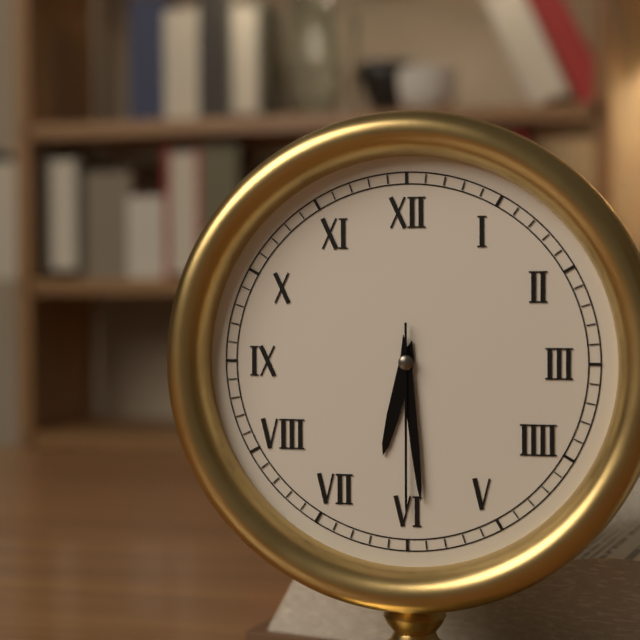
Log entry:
h=6 m=29 s=30
